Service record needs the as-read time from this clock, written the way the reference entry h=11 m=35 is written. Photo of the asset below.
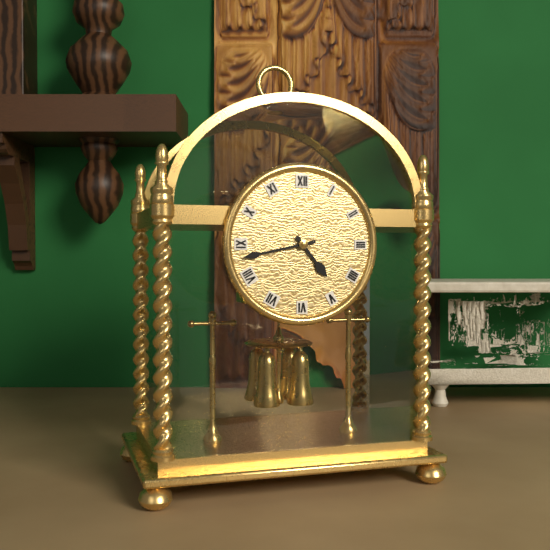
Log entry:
h=4 m=43
